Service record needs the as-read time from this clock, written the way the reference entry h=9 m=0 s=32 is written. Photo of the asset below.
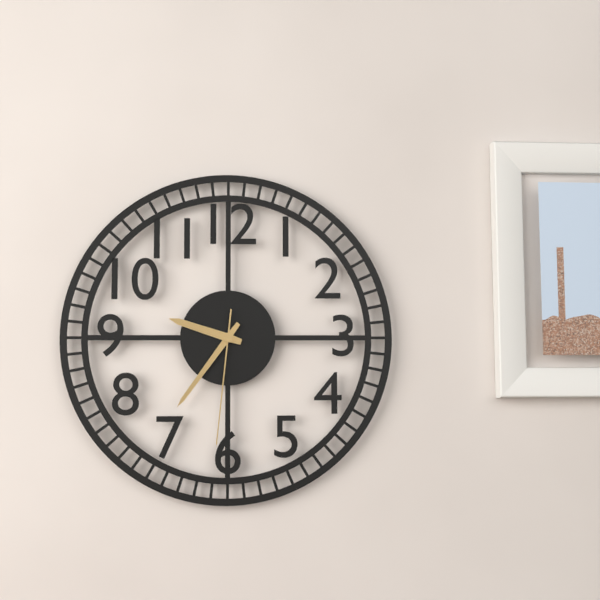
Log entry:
h=9 m=36 s=31
